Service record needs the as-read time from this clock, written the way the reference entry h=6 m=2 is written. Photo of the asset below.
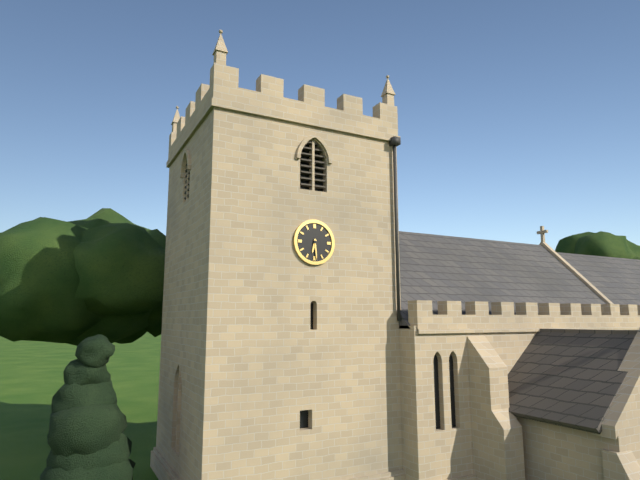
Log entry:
h=6 m=29
